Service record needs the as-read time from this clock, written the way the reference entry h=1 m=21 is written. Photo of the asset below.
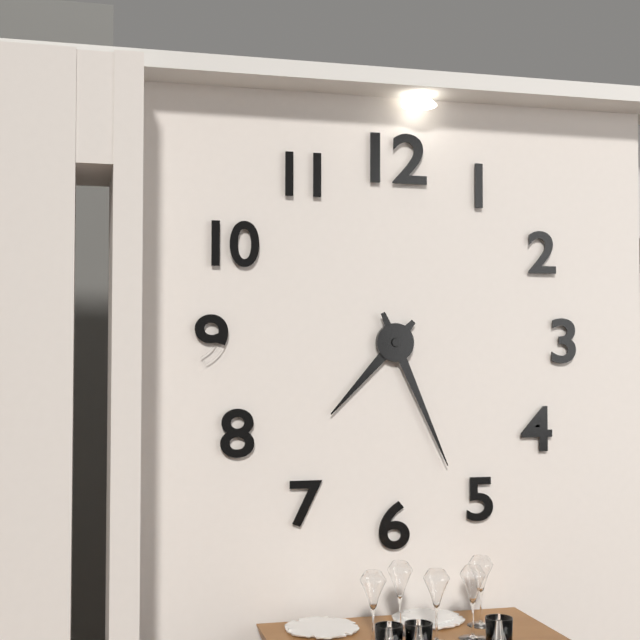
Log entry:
h=7 m=26
